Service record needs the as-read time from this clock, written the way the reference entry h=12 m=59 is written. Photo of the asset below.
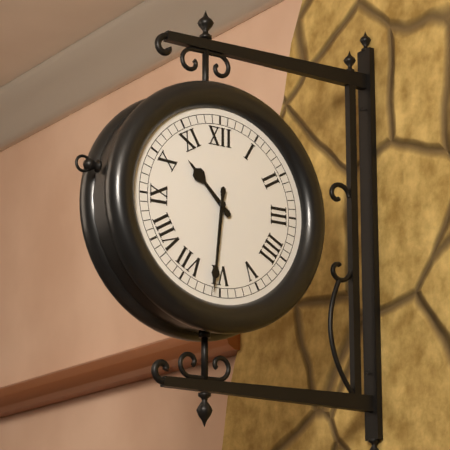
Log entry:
h=10 m=31
